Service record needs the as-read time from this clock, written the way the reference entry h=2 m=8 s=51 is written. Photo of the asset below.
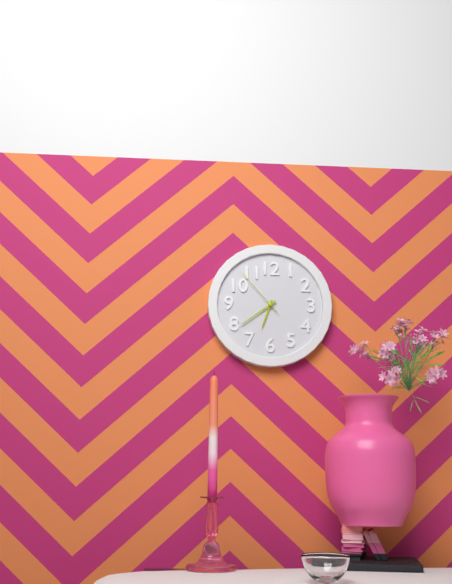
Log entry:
h=6 m=39 s=53
